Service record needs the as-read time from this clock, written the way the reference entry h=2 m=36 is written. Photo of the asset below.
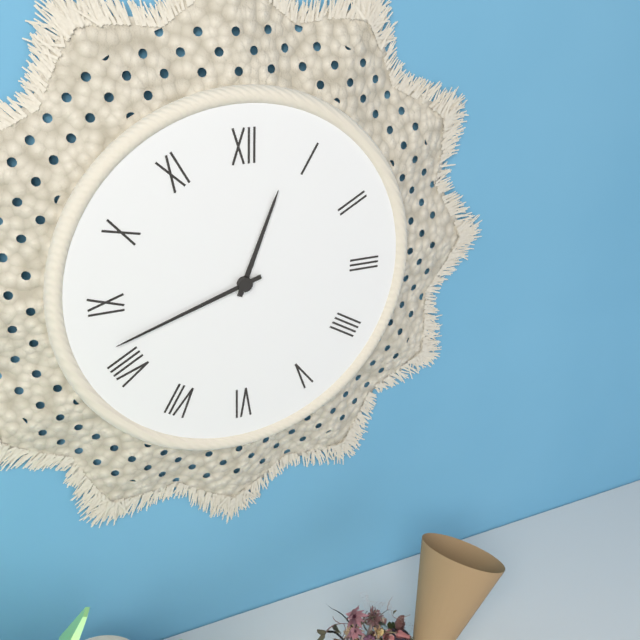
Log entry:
h=12 m=42
